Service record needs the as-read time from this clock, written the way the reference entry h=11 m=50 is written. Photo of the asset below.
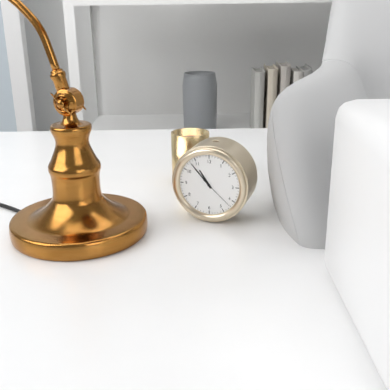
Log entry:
h=10 m=53
